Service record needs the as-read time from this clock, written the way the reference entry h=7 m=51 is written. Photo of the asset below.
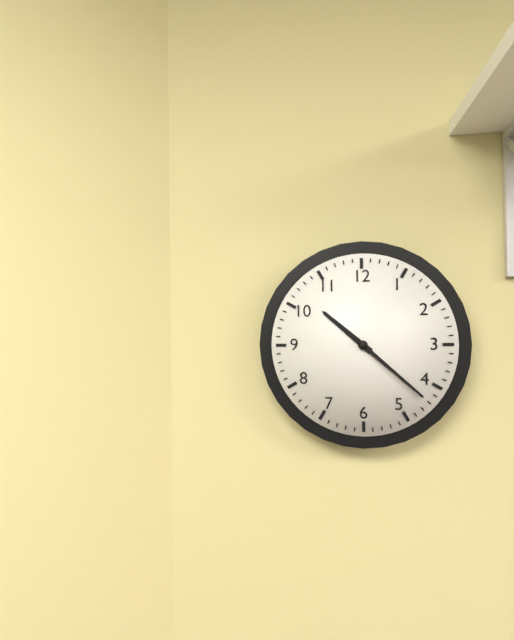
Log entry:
h=10 m=22
